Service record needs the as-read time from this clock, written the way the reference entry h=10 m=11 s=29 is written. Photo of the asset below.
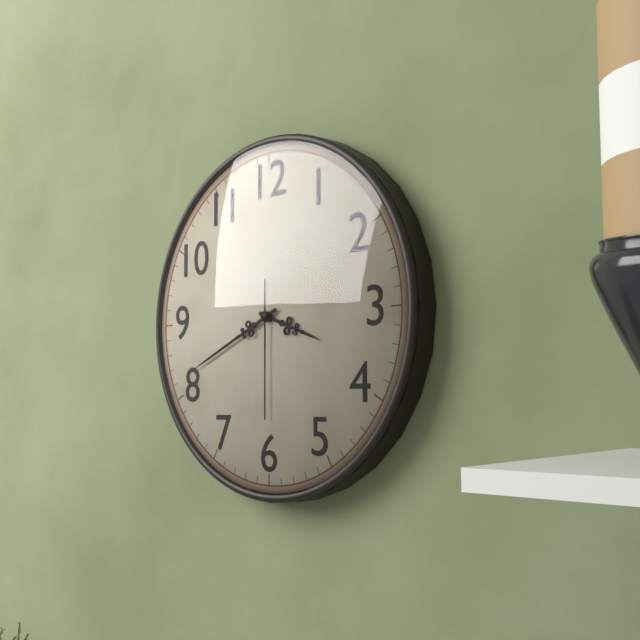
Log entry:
h=3 m=41 s=30
